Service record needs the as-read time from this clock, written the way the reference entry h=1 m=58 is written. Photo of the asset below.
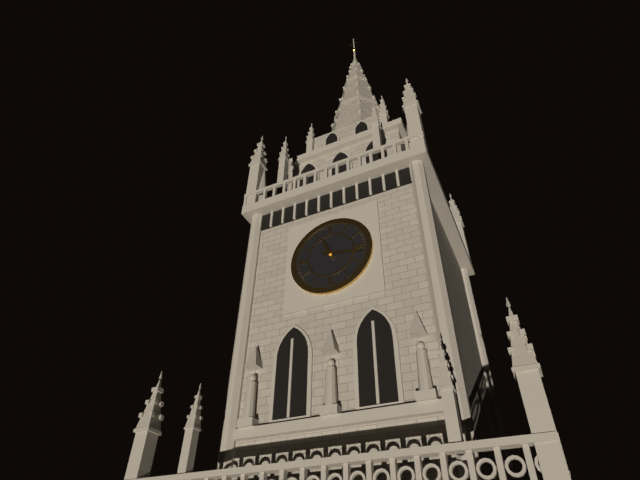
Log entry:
h=11 m=17
